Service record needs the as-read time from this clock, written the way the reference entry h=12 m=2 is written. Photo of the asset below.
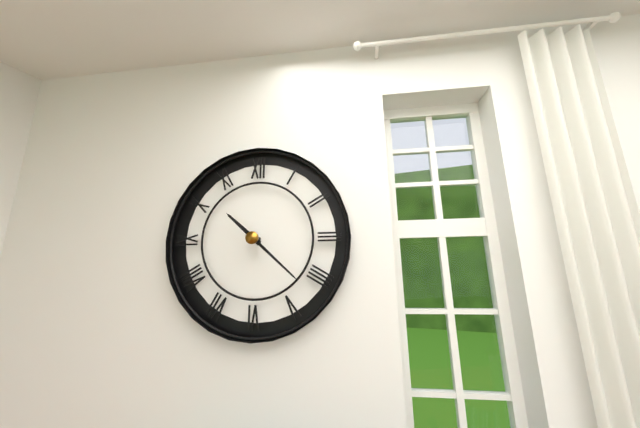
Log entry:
h=10 m=22
